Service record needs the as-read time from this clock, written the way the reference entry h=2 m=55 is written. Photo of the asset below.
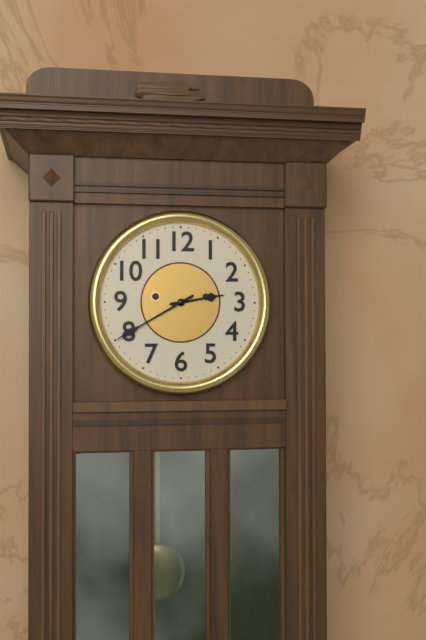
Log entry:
h=2 m=40
